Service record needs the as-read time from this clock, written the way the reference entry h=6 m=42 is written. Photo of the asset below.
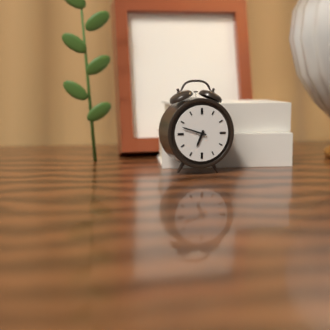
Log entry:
h=6 m=48
